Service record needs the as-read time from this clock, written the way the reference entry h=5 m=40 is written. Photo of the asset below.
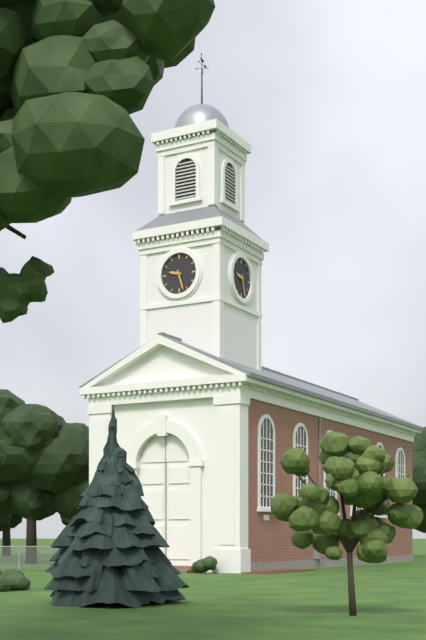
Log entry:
h=9 m=27
